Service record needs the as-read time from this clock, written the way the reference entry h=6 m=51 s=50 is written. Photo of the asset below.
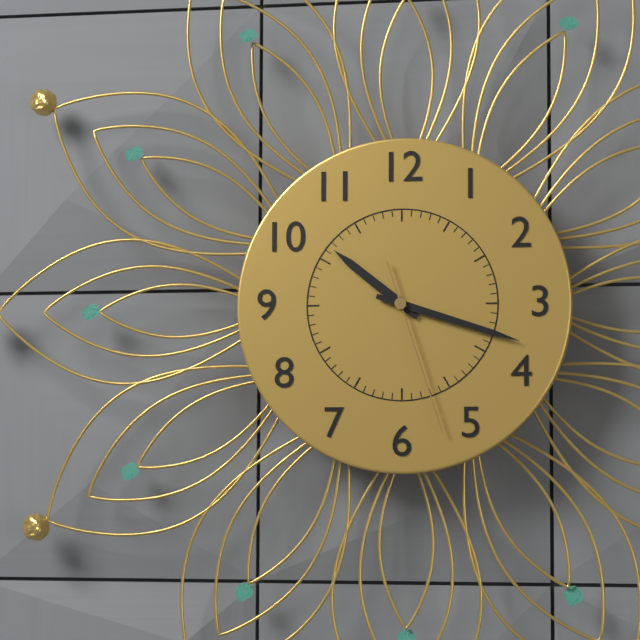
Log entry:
h=10 m=18 s=27
